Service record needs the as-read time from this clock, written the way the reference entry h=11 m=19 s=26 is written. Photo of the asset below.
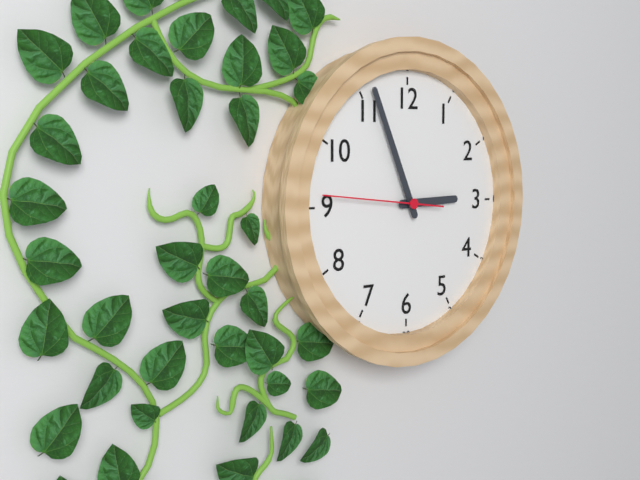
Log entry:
h=2 m=56 s=46
